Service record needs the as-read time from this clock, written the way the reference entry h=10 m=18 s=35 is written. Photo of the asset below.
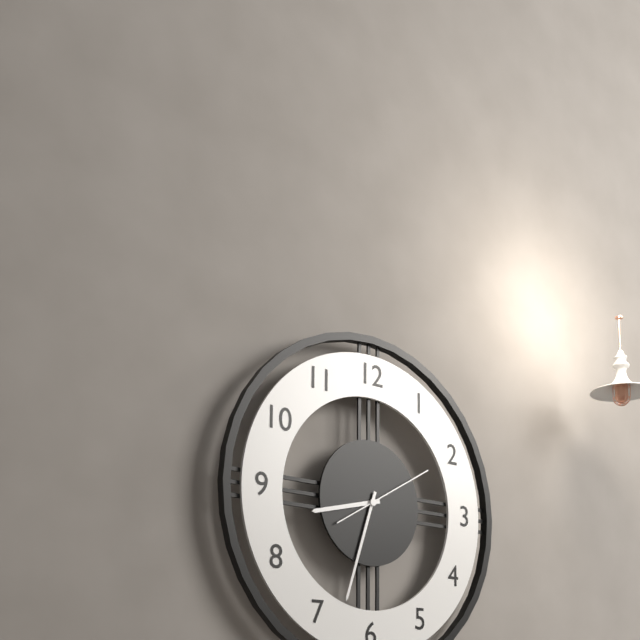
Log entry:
h=8 m=33 s=10
